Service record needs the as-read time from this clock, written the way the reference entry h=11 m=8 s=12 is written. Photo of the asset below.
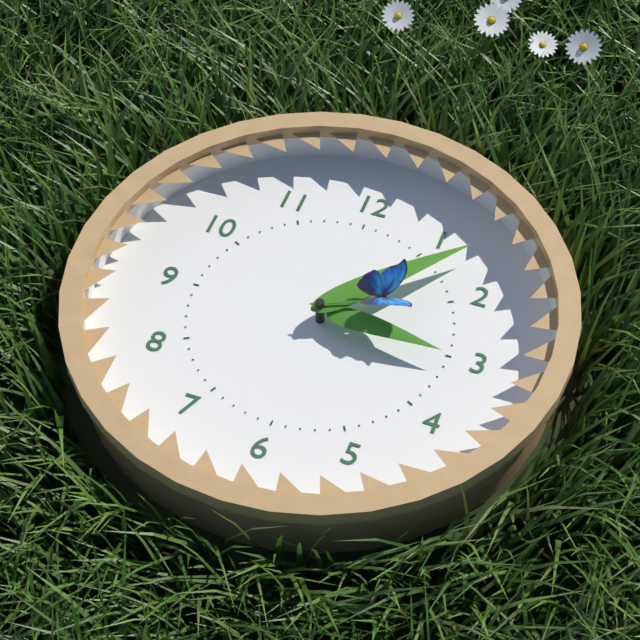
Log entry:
h=3 m=7 s=11
